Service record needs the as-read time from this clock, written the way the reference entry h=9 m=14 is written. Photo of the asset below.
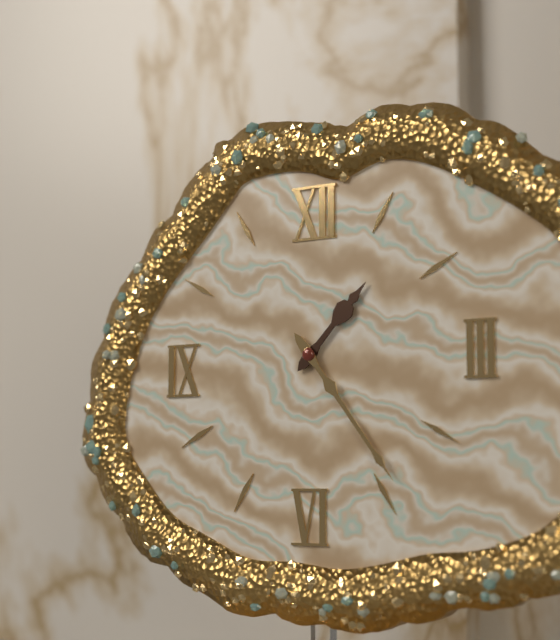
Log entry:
h=1 m=24
